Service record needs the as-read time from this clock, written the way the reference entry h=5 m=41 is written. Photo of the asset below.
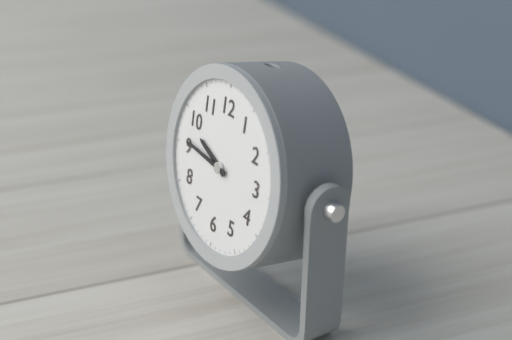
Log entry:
h=9 m=46
